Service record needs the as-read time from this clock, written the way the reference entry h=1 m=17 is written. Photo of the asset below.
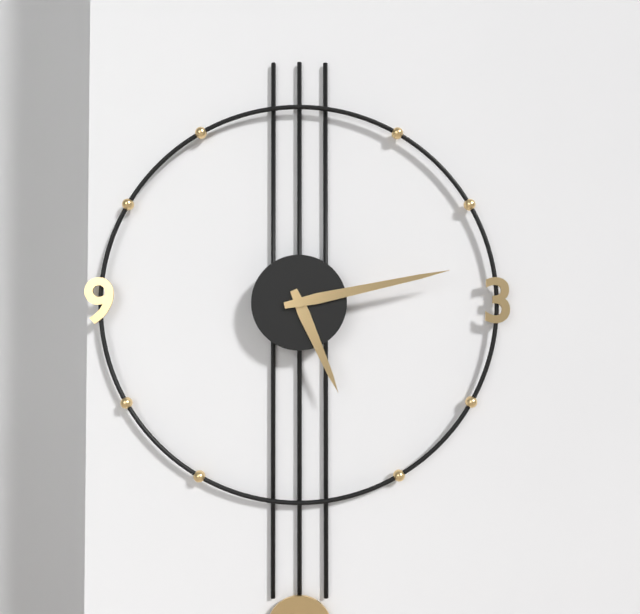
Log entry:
h=5 m=13
